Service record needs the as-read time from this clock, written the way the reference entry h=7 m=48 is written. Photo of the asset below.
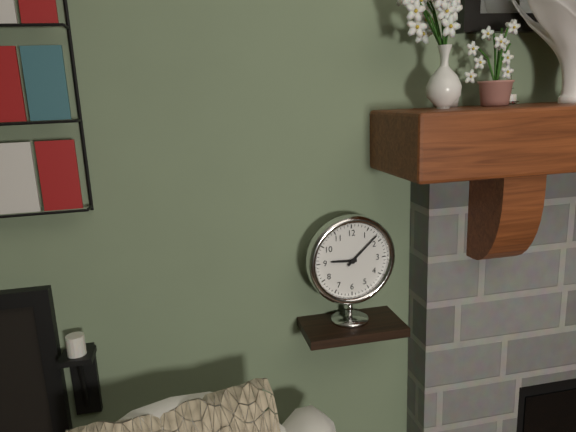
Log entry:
h=9 m=8
